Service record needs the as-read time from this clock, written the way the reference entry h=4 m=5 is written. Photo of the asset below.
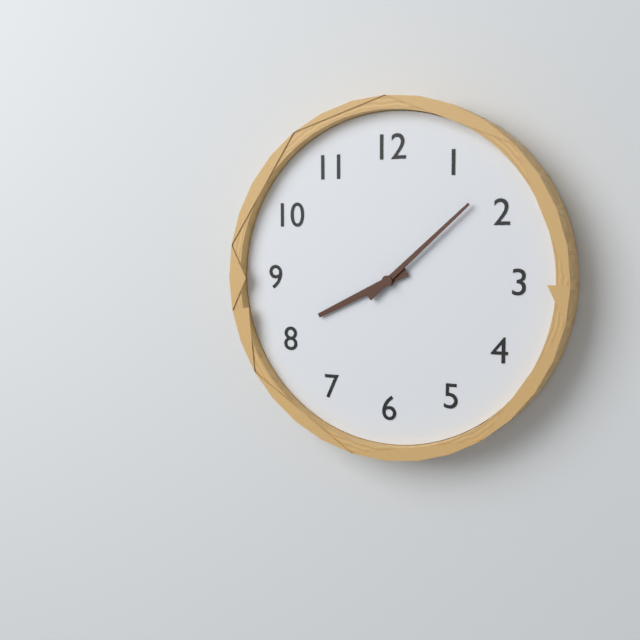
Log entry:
h=8 m=8
